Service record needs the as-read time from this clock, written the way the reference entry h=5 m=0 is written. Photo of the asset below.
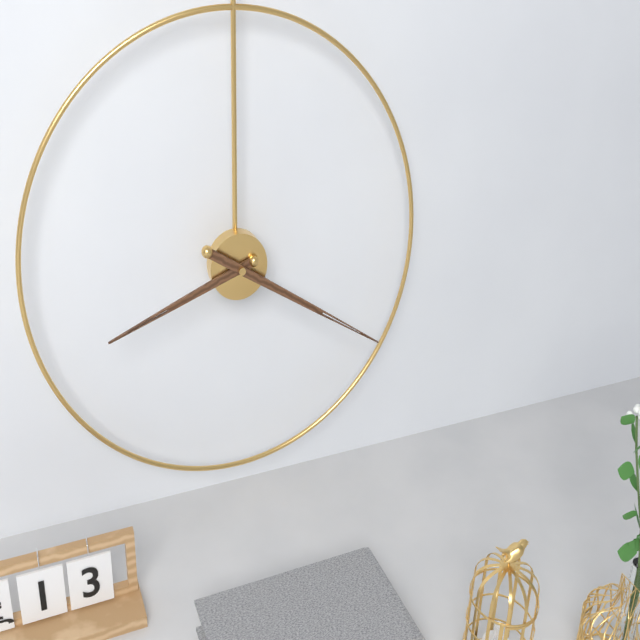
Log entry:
h=8 m=20
